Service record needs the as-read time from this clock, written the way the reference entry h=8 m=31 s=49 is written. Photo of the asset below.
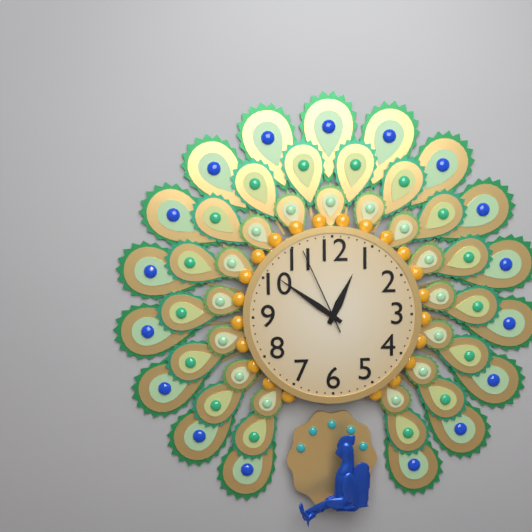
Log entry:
h=12 m=51 s=56
